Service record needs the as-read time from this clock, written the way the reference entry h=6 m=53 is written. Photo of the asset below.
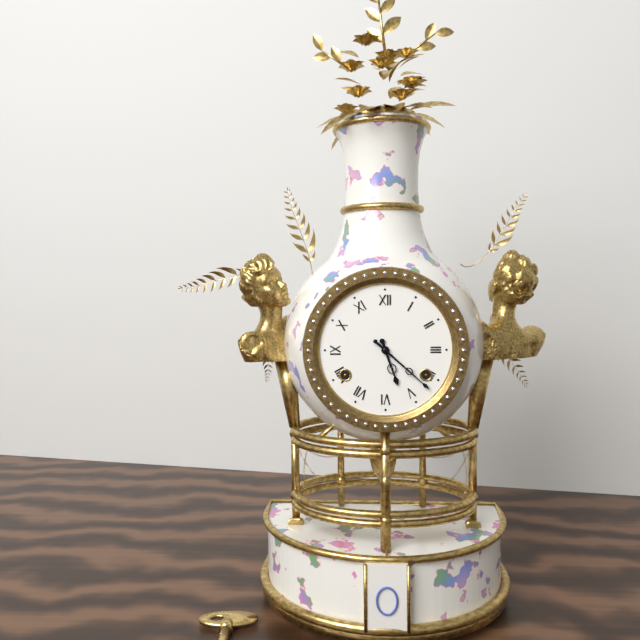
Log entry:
h=5 m=22
